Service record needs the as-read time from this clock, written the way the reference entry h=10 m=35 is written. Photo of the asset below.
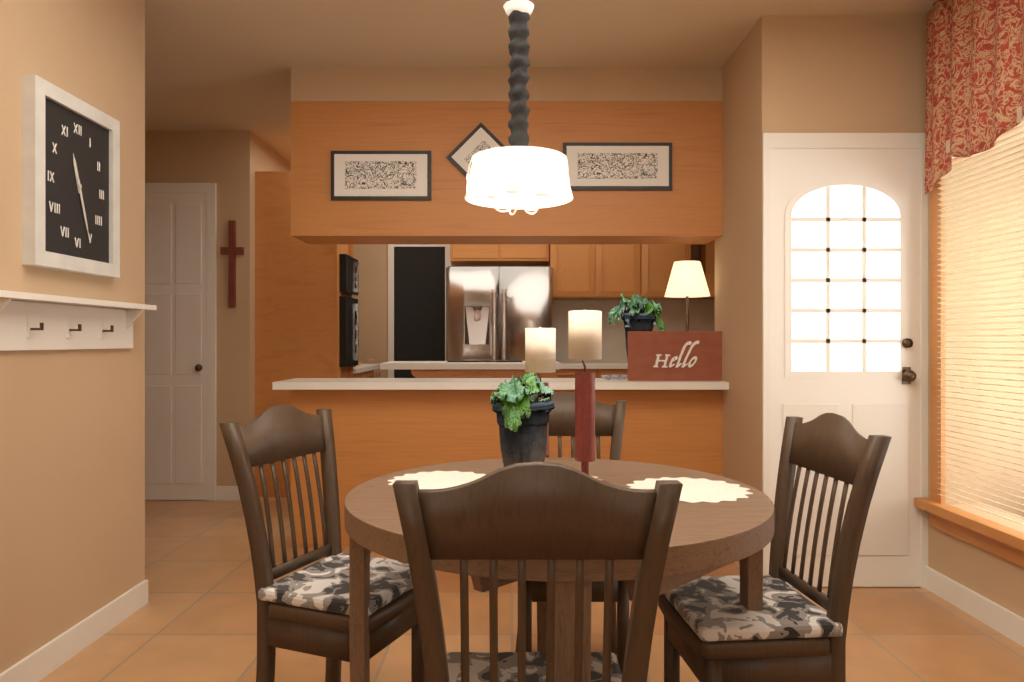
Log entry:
h=11 m=27
